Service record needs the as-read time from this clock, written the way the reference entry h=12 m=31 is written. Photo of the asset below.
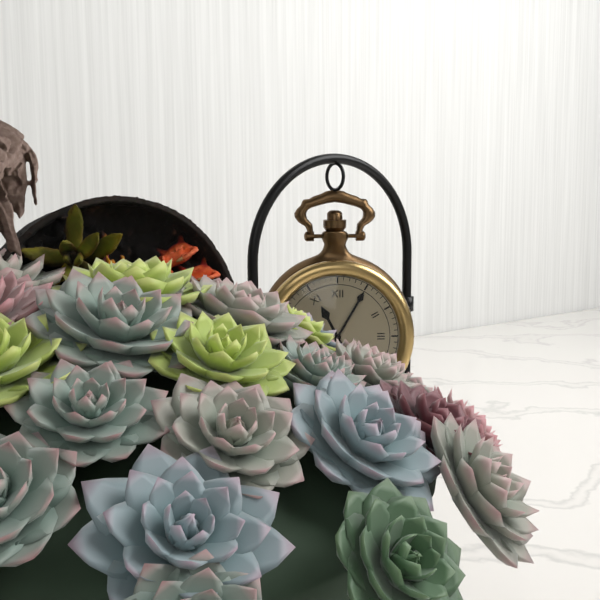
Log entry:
h=11 m=5
